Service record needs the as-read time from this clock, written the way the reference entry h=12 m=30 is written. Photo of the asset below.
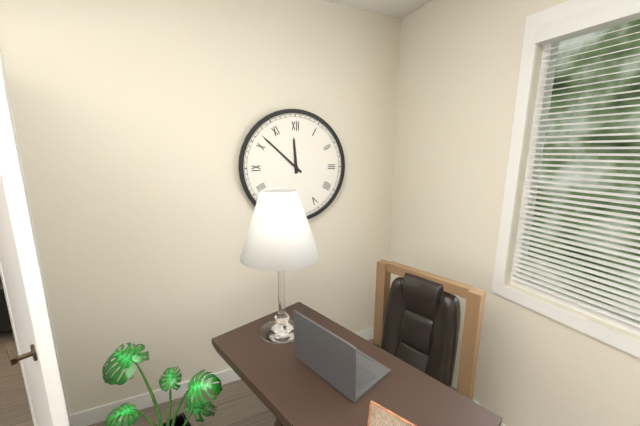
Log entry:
h=11 m=52
